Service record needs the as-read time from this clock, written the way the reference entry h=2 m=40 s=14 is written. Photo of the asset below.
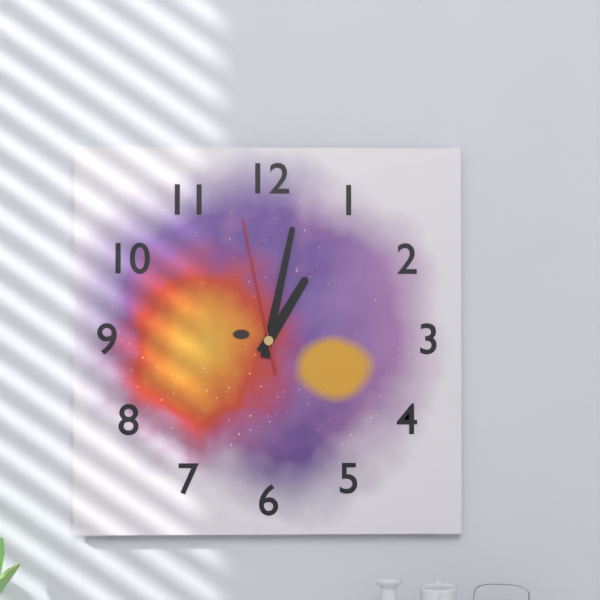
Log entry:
h=1 m=2 s=58
